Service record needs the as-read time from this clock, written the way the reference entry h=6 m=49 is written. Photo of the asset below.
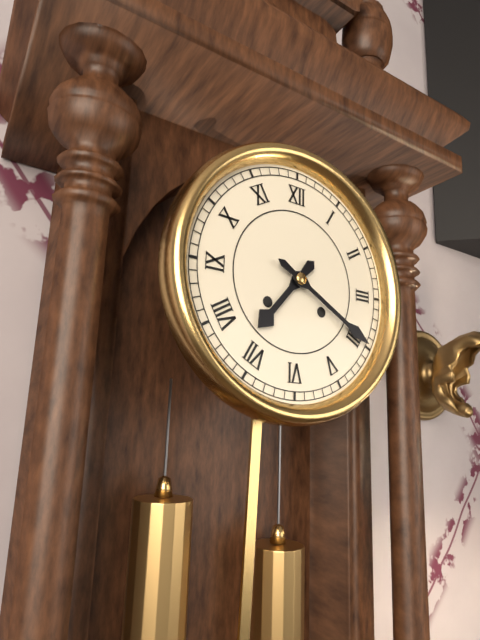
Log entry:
h=7 m=20
